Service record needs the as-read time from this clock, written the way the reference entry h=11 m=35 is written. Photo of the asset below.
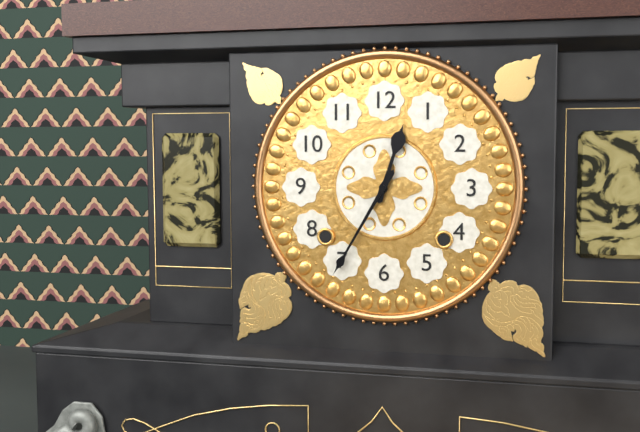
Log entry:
h=12 m=35
